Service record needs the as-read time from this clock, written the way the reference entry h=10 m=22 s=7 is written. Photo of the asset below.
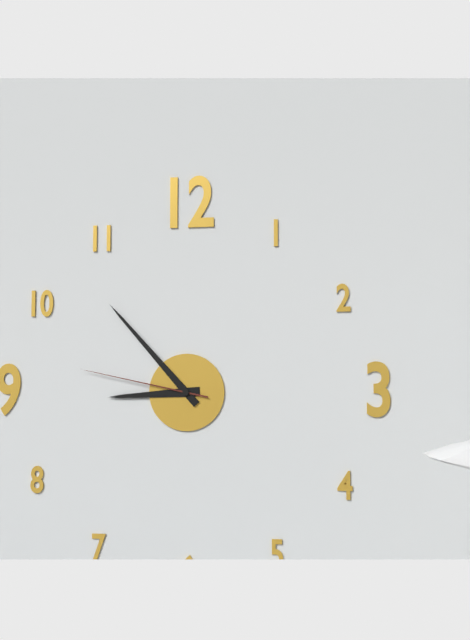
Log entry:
h=8 m=53 s=47
